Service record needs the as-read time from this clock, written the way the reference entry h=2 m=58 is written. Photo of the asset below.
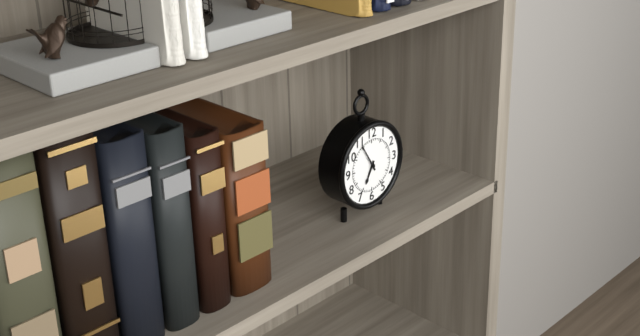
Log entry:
h=6 m=55
